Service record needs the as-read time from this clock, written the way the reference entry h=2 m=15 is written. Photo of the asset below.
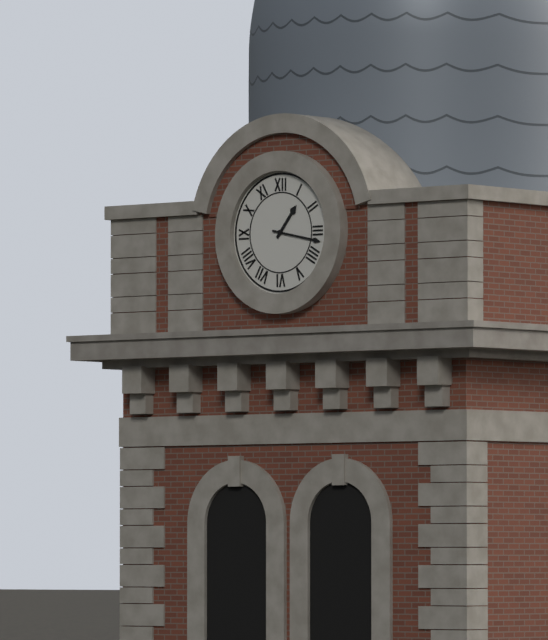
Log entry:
h=1 m=17
